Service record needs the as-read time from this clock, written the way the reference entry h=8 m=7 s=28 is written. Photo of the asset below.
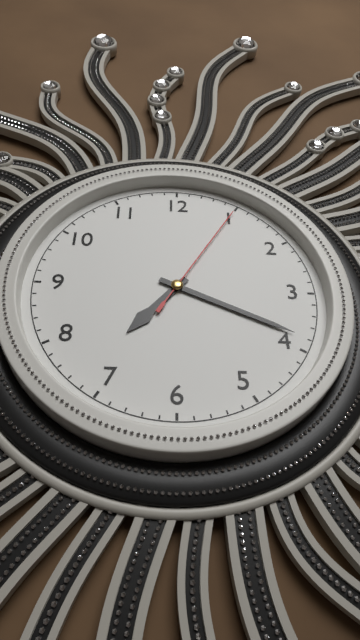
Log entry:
h=7 m=19 s=5
